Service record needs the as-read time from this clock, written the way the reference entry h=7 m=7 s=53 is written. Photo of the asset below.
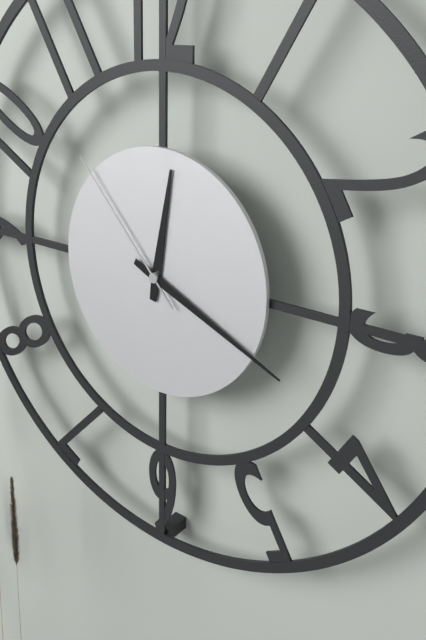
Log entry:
h=12 m=19 s=53
